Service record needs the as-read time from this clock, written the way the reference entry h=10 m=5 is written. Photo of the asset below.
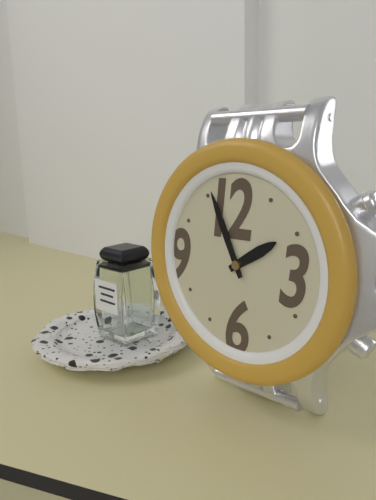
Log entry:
h=1 m=56
